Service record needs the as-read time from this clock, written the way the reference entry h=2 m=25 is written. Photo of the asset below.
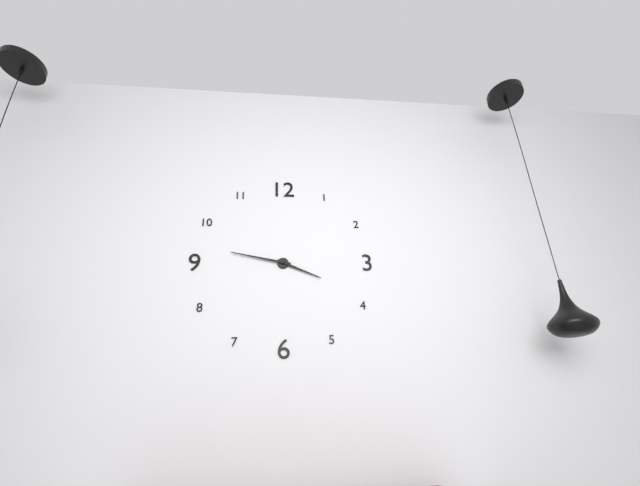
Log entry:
h=3 m=47
